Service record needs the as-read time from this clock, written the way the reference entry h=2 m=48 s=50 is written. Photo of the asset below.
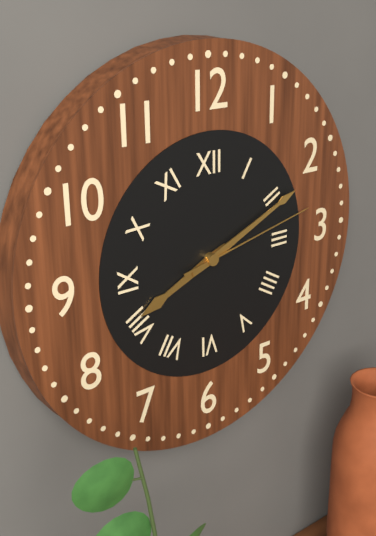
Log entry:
h=8 m=11 s=13
